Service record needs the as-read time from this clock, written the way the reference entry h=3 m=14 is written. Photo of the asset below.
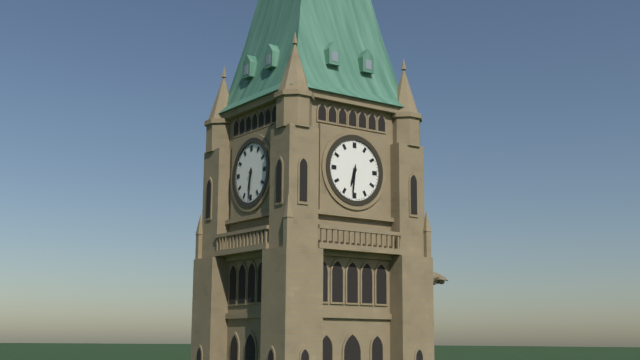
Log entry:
h=6 m=31
